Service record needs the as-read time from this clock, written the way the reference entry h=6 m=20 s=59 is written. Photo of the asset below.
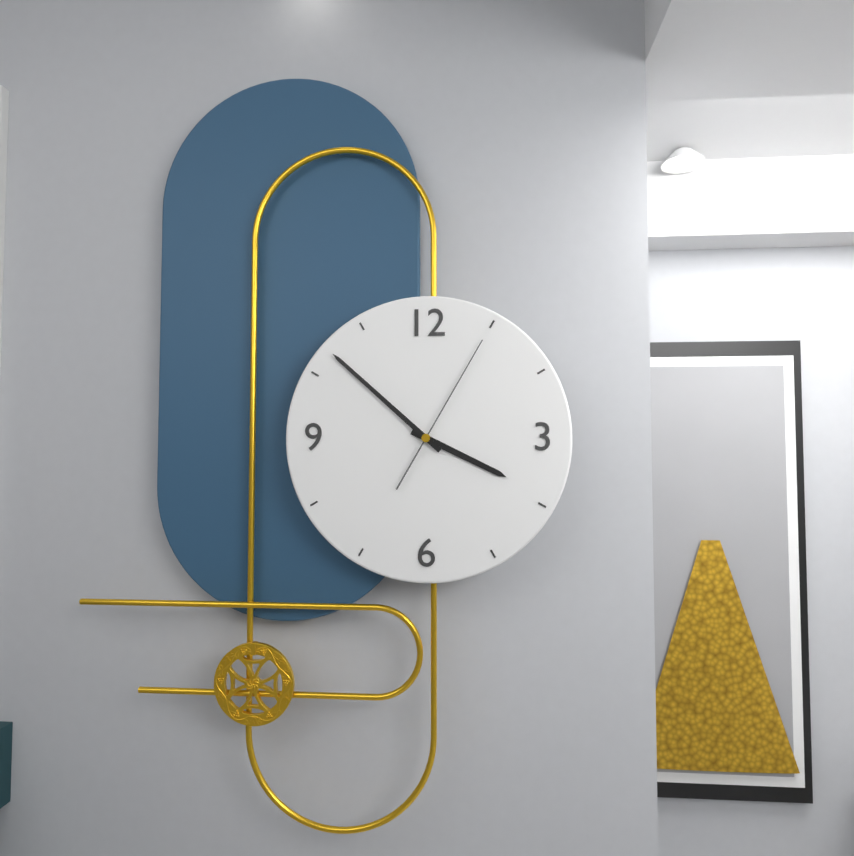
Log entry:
h=3 m=52 s=5
